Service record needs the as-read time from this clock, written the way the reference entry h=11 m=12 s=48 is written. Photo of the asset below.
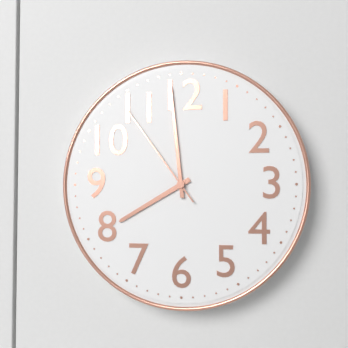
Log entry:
h=7 m=59 s=54
